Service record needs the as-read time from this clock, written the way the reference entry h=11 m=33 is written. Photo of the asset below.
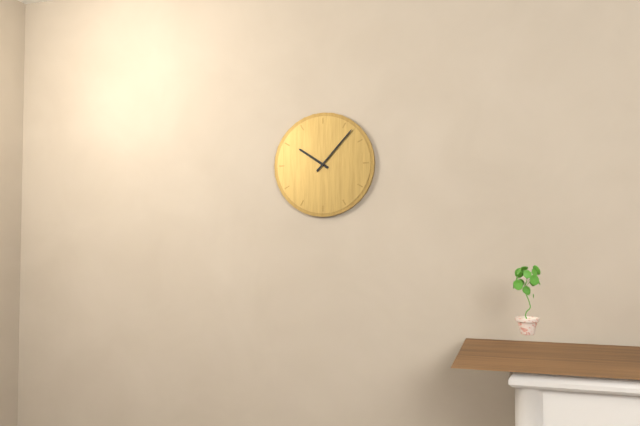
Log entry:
h=10 m=7
